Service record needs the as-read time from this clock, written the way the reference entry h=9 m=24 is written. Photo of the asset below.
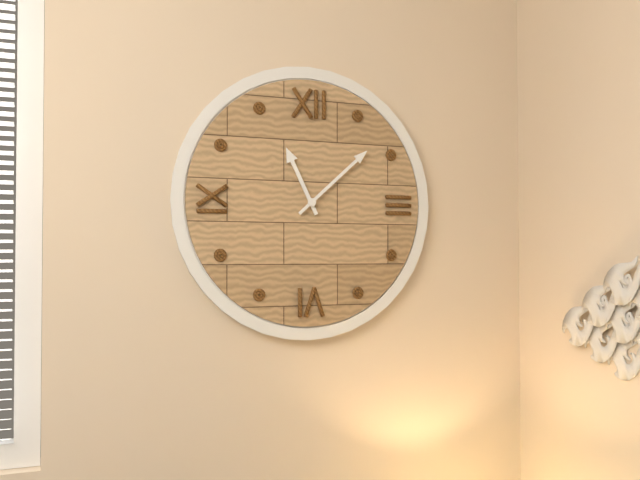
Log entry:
h=11 m=8
